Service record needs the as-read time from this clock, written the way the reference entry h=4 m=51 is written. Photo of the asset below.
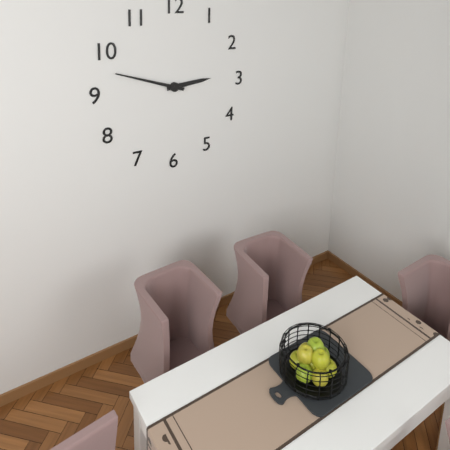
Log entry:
h=2 m=48
